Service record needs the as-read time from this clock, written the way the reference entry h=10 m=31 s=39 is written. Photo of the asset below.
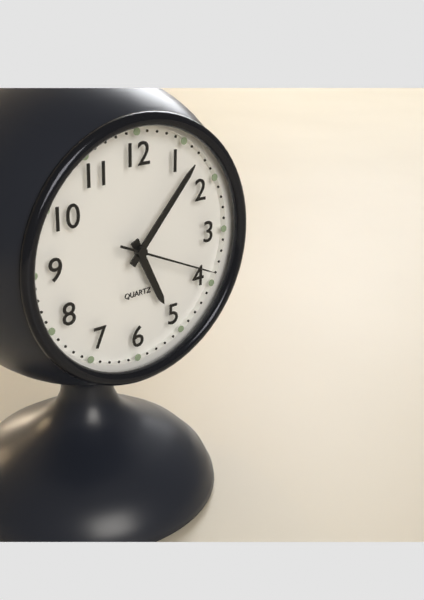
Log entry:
h=5 m=7 s=19
